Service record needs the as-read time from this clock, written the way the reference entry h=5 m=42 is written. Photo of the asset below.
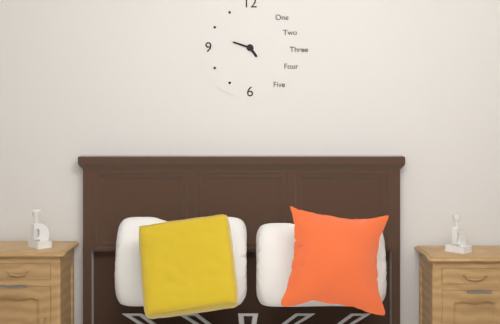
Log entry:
h=4 m=48
